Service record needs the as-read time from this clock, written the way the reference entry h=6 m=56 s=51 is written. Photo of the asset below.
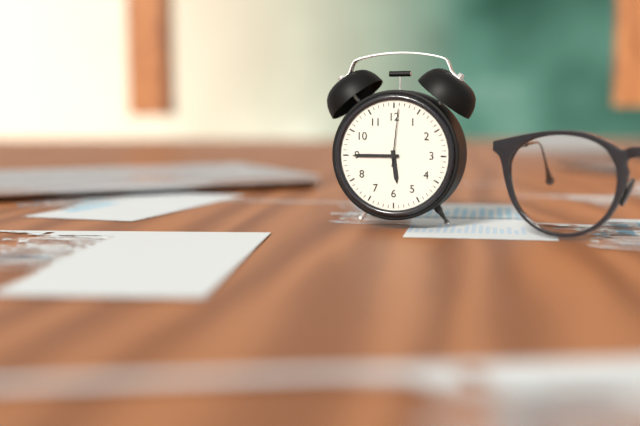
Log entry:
h=5 m=45 s=1
